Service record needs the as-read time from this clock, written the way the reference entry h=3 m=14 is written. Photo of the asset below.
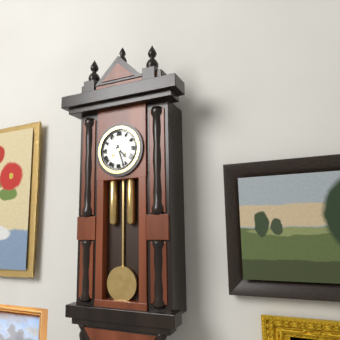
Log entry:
h=4 m=27
